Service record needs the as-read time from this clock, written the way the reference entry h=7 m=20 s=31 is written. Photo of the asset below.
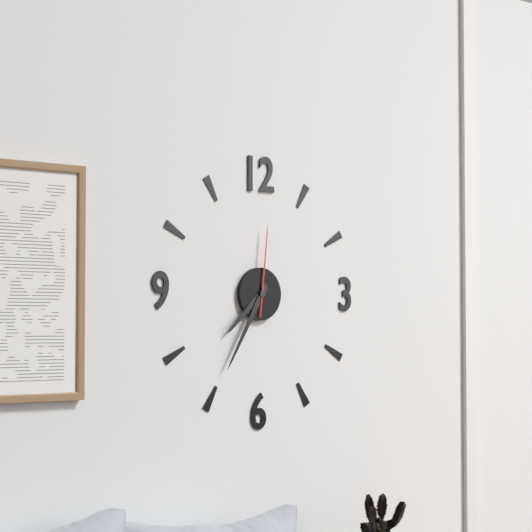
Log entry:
h=7 m=35 s=1
